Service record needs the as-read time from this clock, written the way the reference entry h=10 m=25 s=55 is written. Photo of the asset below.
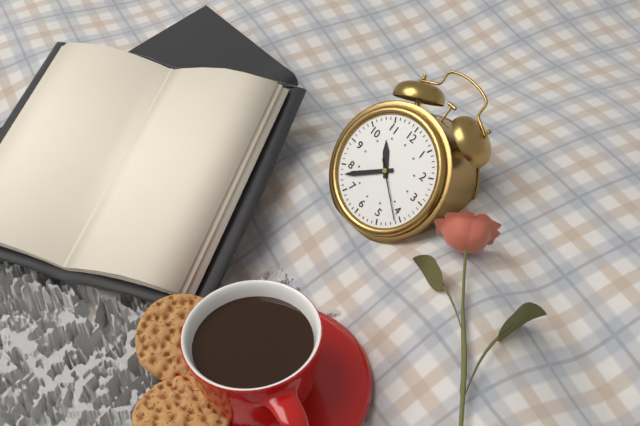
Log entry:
h=10 m=38 s=21
